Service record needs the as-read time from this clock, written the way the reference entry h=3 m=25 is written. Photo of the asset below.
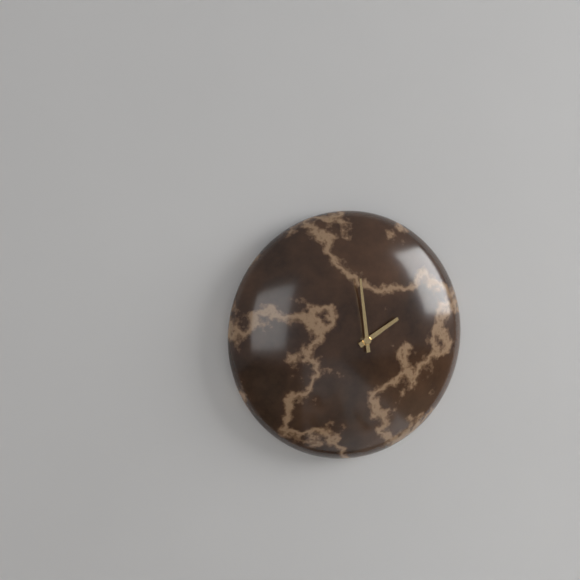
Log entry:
h=1 m=59
